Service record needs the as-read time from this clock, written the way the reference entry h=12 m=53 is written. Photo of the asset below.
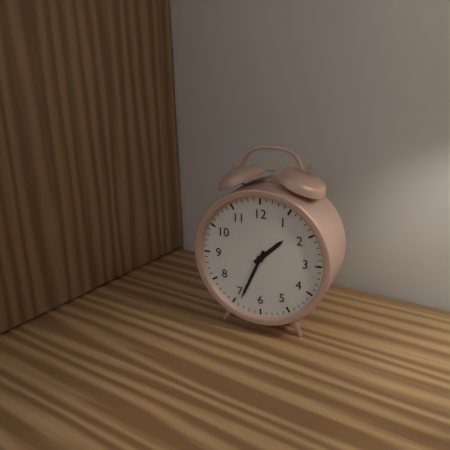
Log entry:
h=1 m=34
